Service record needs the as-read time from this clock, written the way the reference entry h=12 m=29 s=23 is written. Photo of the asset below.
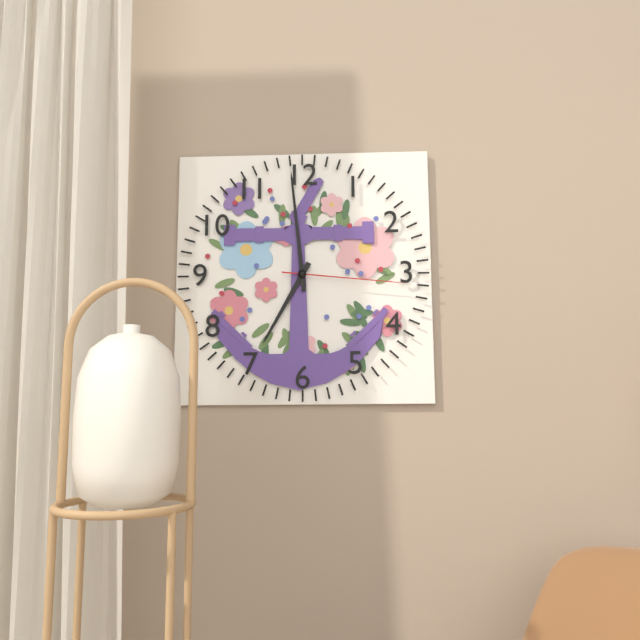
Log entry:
h=6 m=59 s=16
